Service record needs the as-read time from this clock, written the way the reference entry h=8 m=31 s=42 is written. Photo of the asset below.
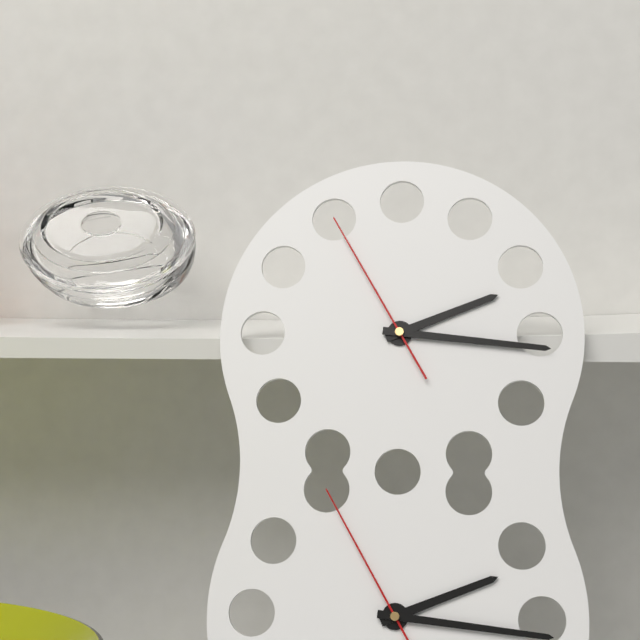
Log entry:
h=2 m=16 s=55
